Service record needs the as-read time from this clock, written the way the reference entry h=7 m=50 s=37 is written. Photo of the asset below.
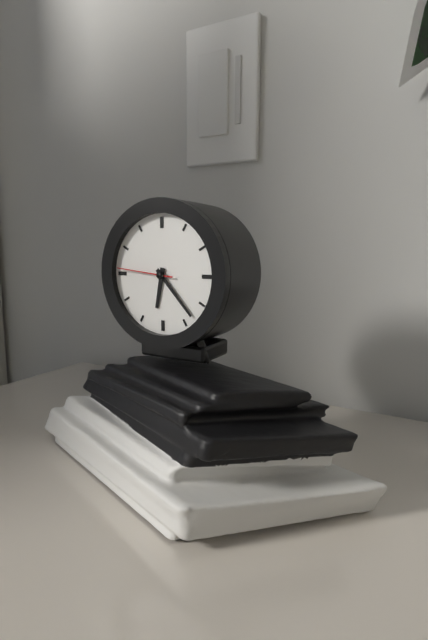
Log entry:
h=6 m=23 s=46
